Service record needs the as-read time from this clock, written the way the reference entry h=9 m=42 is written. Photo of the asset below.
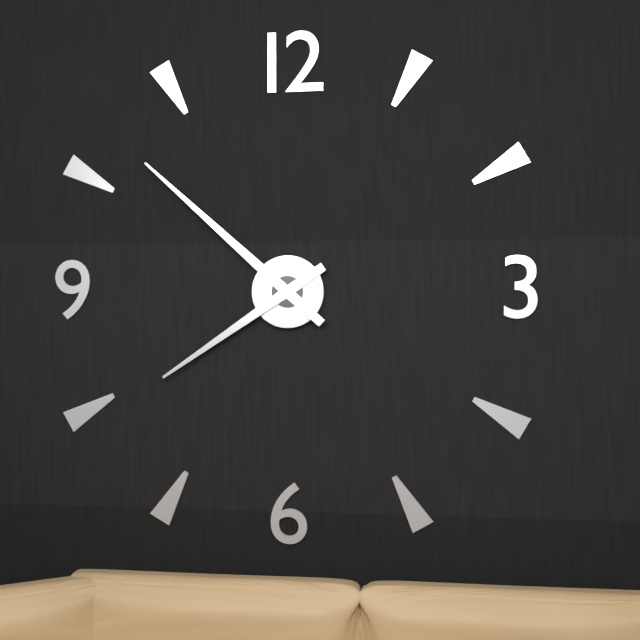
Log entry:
h=7 m=52
